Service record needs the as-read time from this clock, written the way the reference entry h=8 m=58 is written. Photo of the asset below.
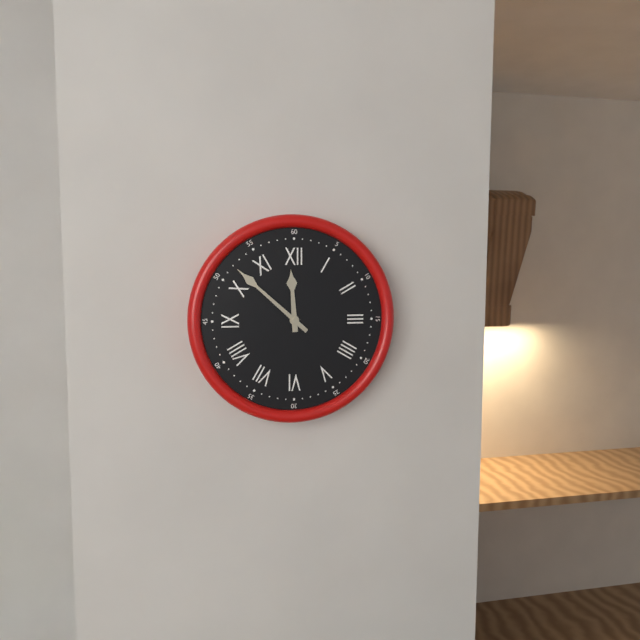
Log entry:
h=11 m=52
